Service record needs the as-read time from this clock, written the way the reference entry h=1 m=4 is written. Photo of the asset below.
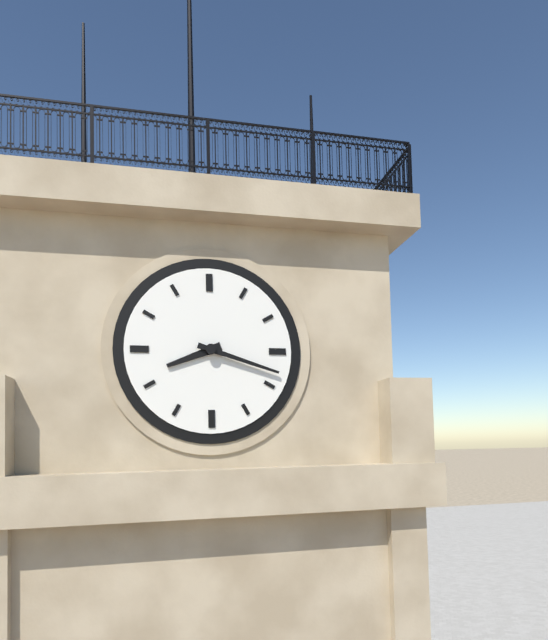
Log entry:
h=8 m=18
